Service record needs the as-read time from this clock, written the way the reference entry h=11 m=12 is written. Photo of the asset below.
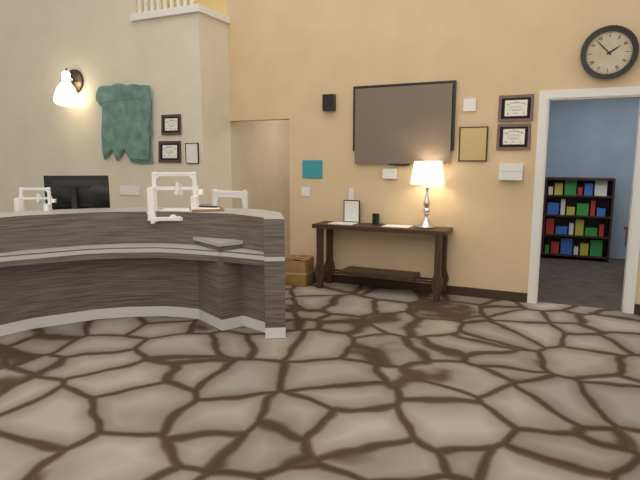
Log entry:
h=1 m=53
